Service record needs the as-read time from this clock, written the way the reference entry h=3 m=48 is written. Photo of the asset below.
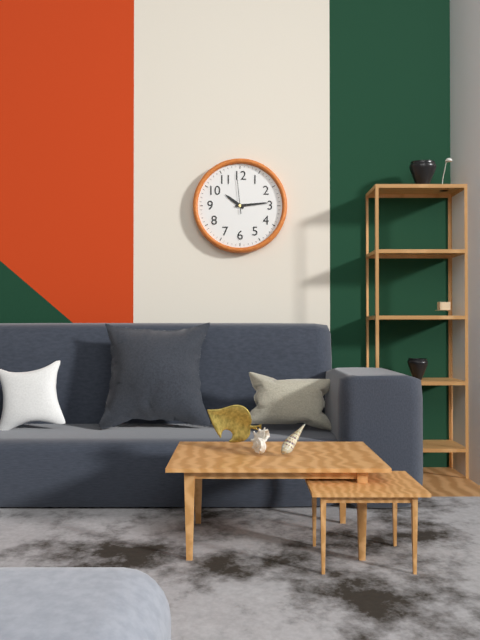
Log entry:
h=10 m=14
